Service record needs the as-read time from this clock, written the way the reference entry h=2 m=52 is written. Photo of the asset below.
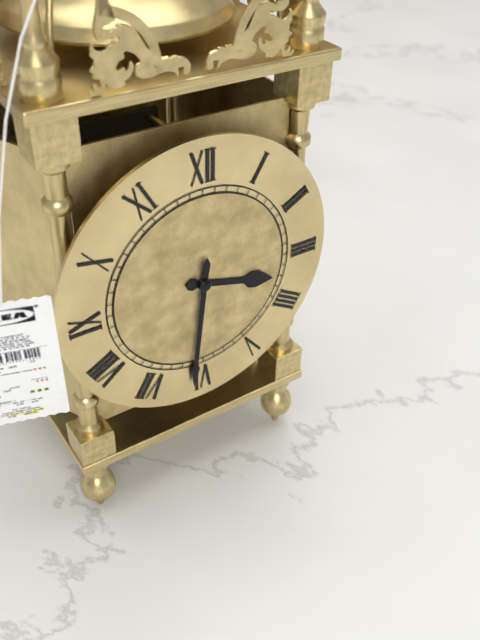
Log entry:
h=3 m=31
